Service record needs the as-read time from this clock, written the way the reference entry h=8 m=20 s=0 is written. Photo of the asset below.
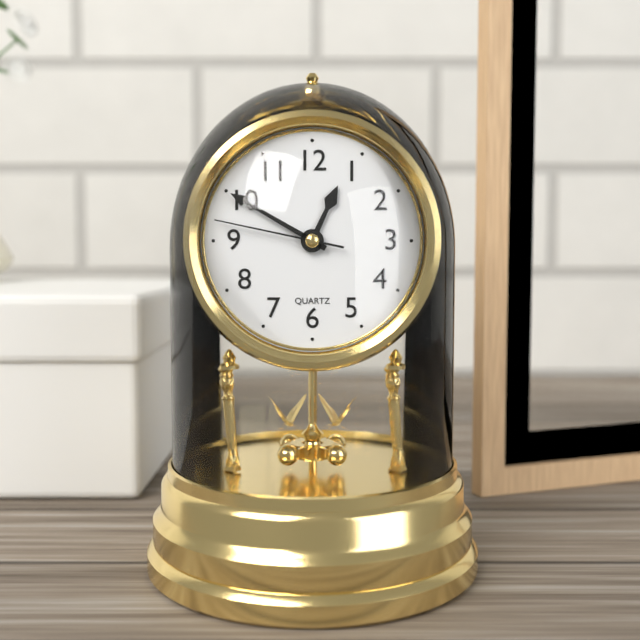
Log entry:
h=12 m=50 s=47
